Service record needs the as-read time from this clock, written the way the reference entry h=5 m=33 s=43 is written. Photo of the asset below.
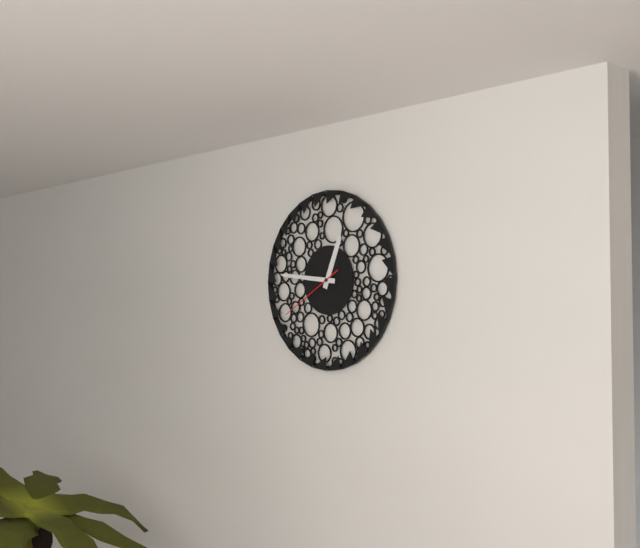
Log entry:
h=12 m=46 s=40
